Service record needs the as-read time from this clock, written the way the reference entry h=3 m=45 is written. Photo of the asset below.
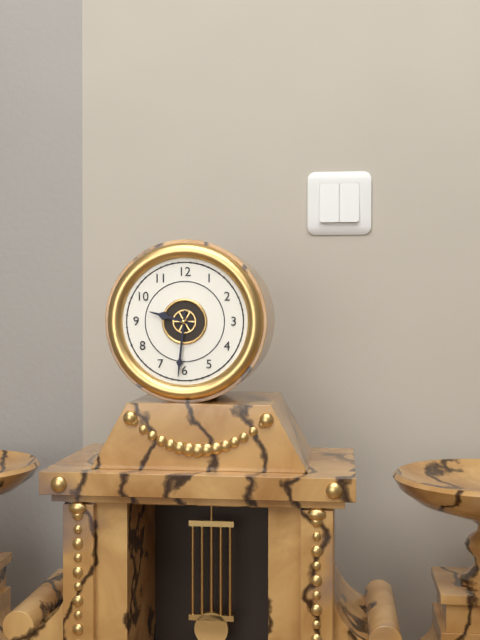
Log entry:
h=9 m=31
